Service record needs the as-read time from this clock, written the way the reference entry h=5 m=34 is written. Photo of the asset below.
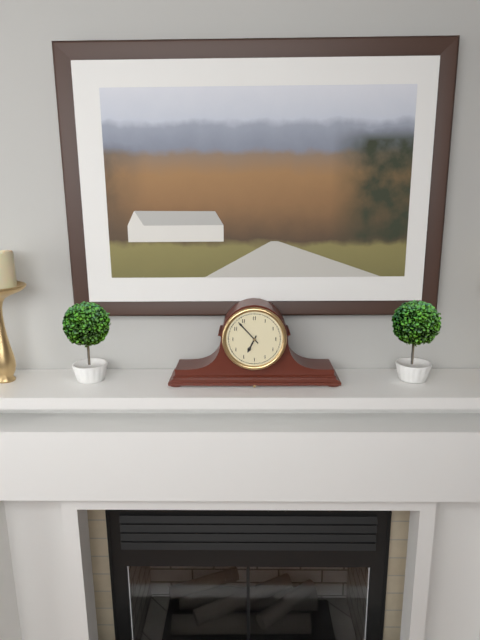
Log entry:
h=6 m=53
